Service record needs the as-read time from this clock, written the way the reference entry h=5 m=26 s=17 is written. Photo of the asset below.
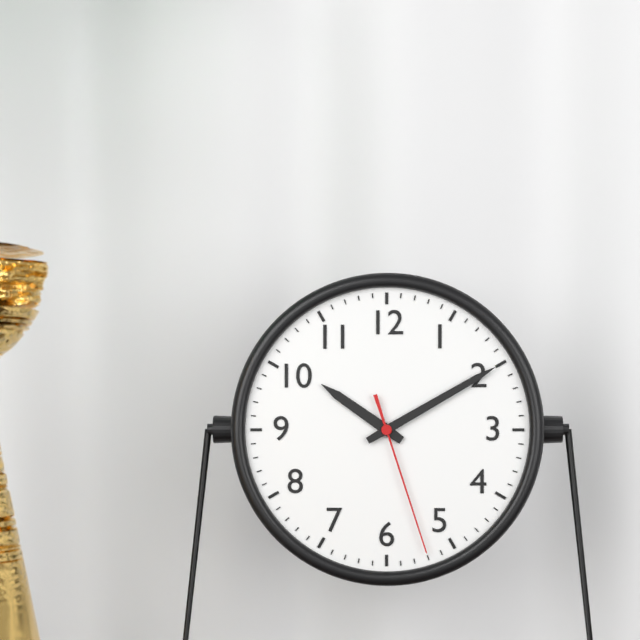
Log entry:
h=10 m=10 s=27
